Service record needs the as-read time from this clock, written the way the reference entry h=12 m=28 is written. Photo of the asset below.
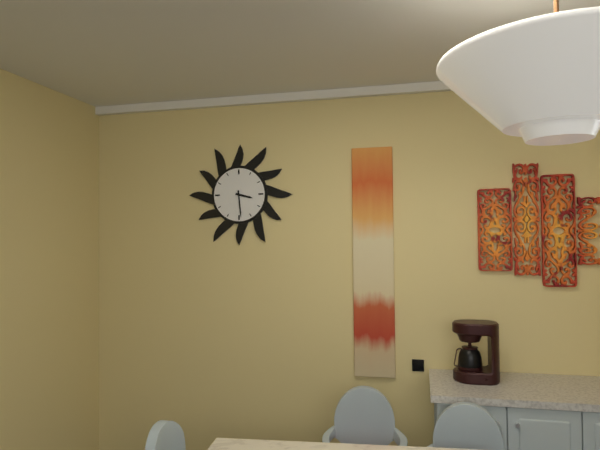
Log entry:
h=3 m=29
